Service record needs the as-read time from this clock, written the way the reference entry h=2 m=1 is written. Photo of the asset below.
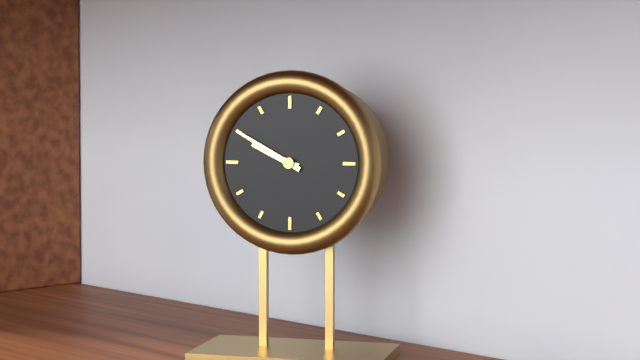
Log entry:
h=9 m=50
